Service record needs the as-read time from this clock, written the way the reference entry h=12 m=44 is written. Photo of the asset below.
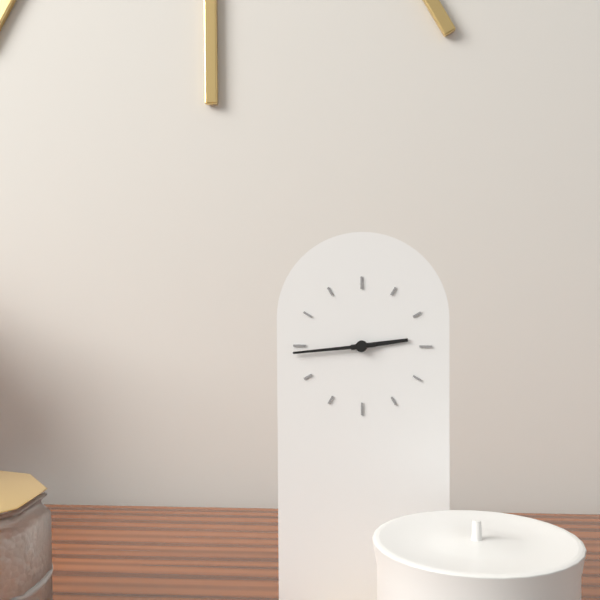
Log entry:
h=2 m=44
